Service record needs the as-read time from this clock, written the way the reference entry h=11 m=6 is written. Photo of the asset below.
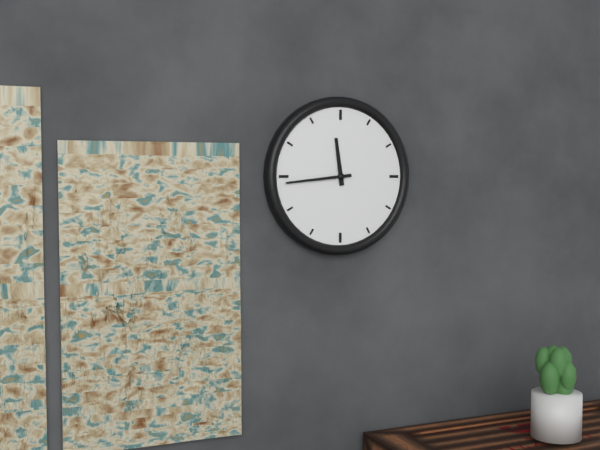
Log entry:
h=11 m=44
